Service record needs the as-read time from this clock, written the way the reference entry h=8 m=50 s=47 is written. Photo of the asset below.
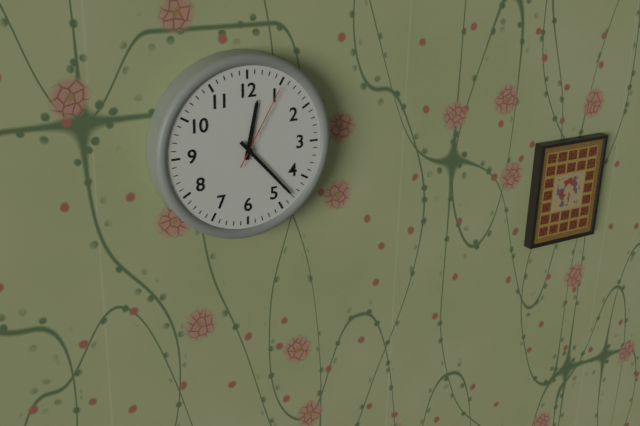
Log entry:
h=12 m=23 s=5
